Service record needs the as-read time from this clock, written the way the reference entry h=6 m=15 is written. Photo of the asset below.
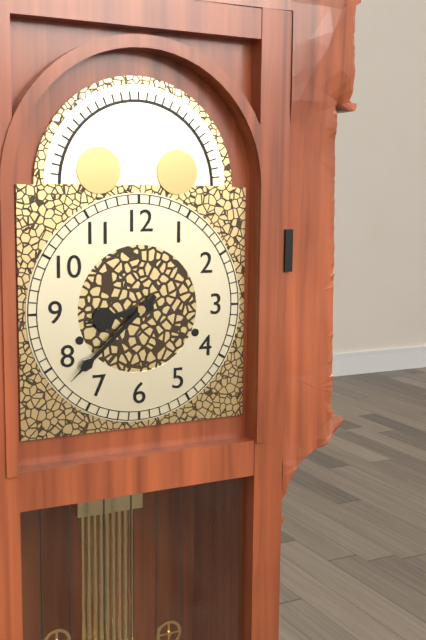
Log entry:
h=8 m=38
